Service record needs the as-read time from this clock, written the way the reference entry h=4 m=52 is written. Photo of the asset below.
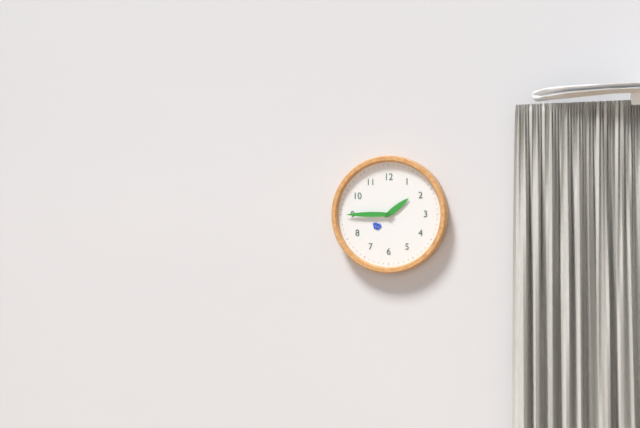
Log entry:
h=1 m=45
